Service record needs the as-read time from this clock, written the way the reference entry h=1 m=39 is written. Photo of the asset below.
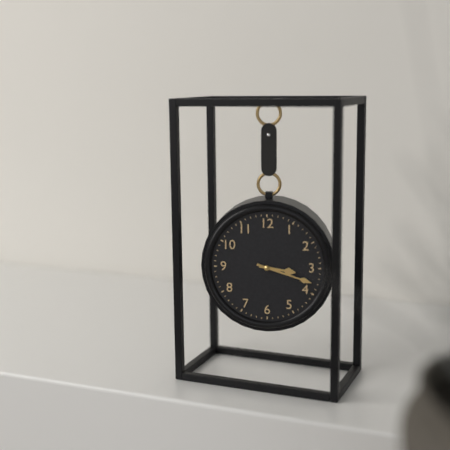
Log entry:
h=3 m=18
